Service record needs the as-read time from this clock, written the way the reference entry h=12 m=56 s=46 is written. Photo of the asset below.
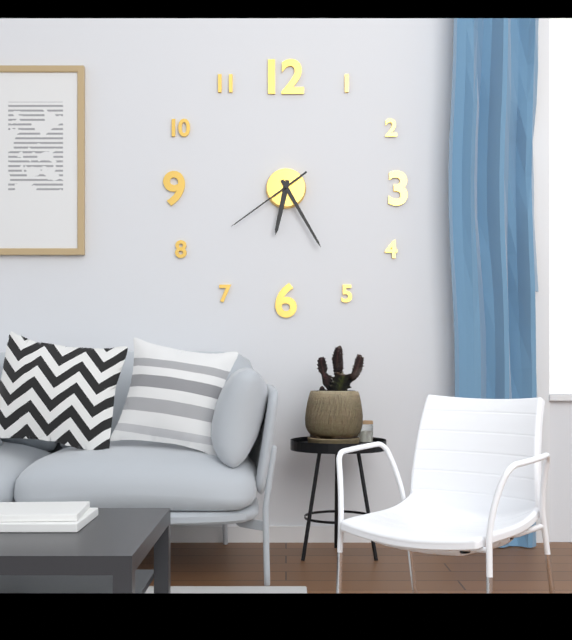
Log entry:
h=6 m=25 s=39
